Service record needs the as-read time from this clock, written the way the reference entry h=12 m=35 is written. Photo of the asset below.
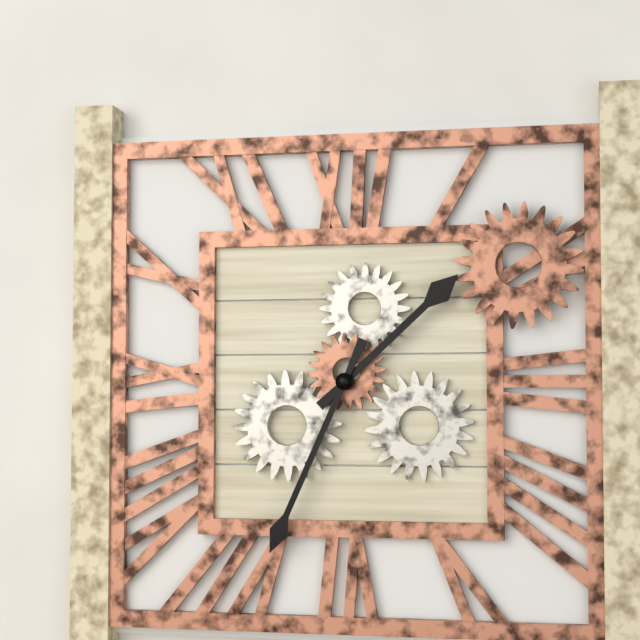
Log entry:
h=1 m=34
